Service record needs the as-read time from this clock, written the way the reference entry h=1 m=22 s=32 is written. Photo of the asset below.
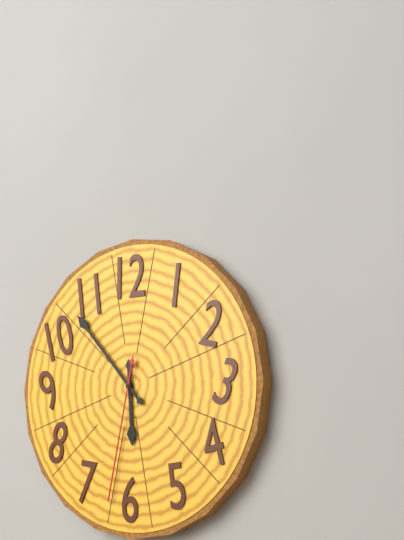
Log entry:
h=5 m=53 s=32
